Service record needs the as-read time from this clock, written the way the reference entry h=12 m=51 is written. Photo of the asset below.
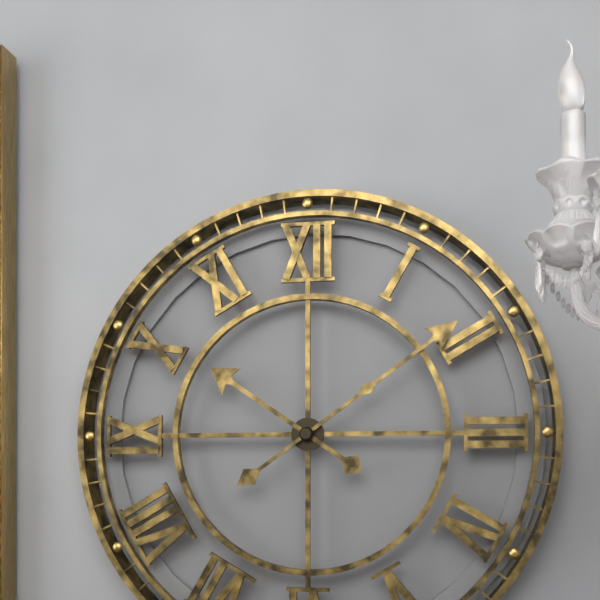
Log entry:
h=10 m=9
